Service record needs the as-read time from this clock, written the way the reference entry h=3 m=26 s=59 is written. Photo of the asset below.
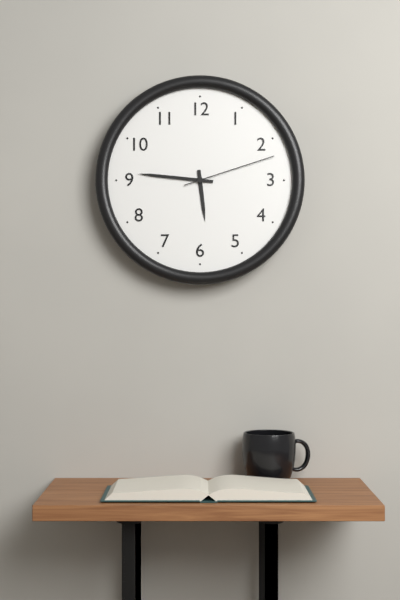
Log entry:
h=5 m=46 s=12
